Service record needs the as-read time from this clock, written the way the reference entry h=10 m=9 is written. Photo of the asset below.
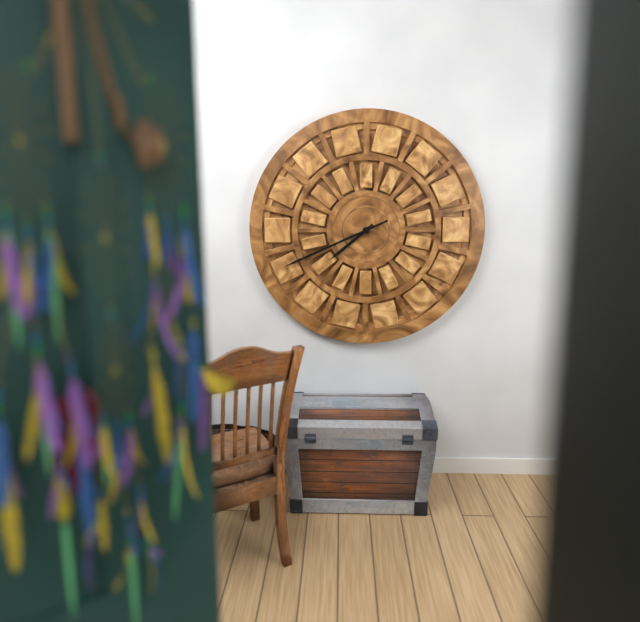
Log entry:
h=7 m=41
